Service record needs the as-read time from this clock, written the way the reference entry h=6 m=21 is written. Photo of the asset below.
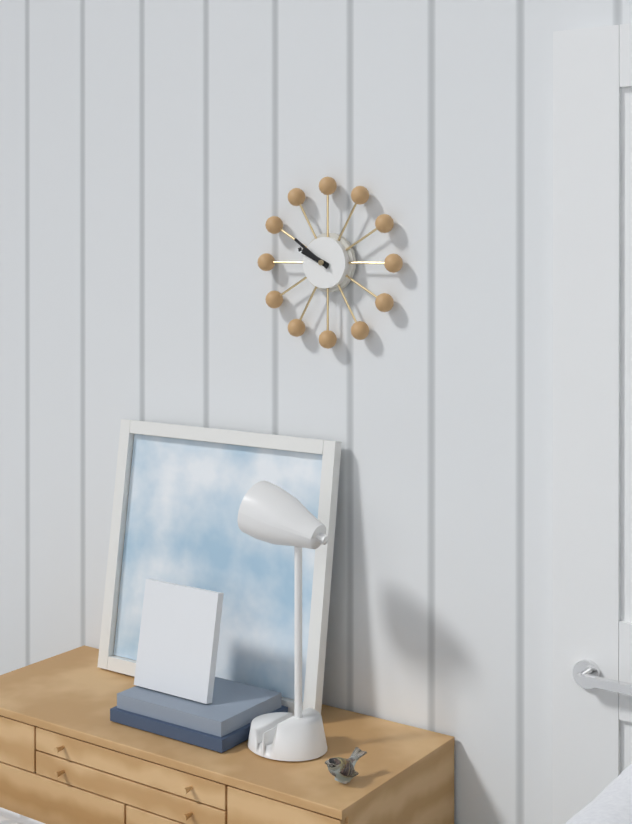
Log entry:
h=9 m=51
